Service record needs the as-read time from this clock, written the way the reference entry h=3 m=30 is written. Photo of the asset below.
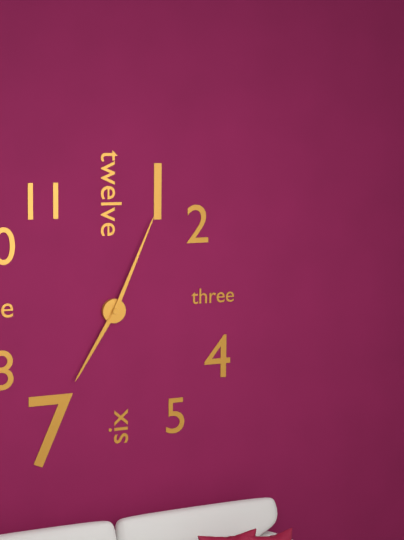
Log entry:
h=7 m=4
